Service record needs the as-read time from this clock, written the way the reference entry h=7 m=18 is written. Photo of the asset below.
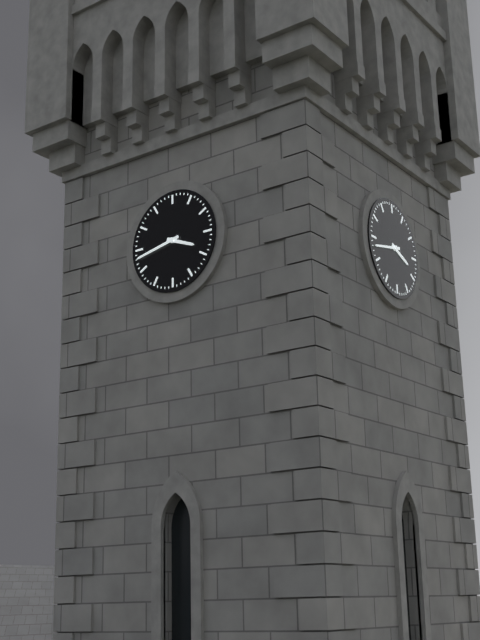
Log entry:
h=3 m=43
